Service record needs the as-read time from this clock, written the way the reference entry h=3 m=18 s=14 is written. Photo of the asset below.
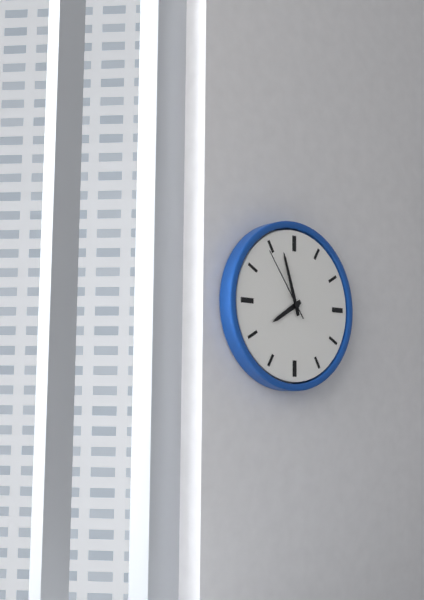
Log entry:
h=7 m=57 s=54
